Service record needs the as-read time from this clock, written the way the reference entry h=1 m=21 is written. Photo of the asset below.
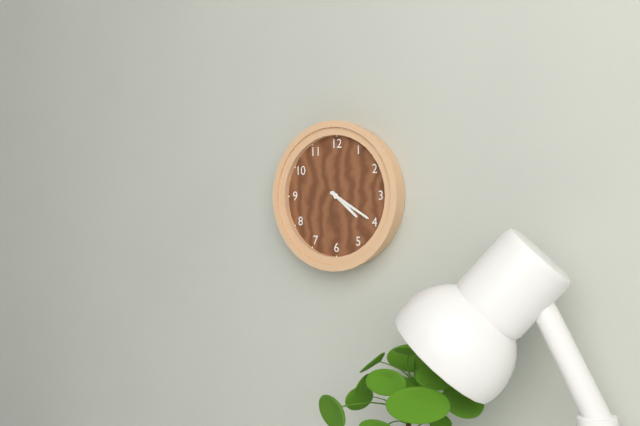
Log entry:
h=4 m=20
